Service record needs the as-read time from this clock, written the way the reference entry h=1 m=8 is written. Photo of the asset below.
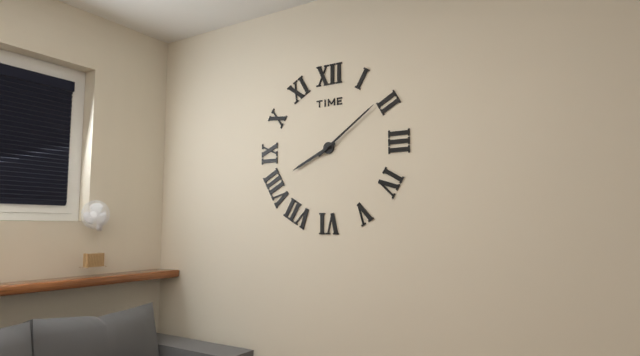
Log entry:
h=8 m=9
